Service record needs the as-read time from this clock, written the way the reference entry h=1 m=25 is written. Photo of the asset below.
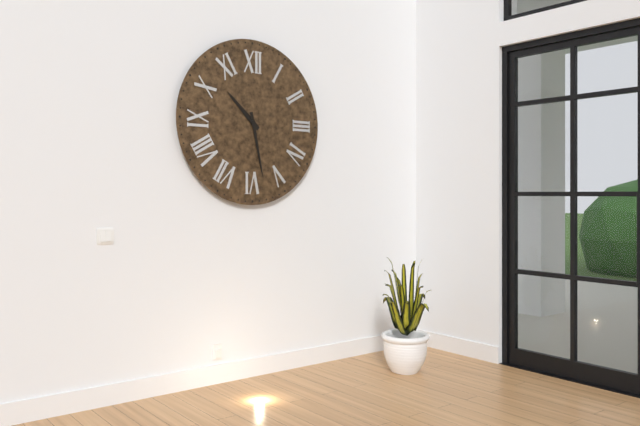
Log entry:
h=10 m=28
